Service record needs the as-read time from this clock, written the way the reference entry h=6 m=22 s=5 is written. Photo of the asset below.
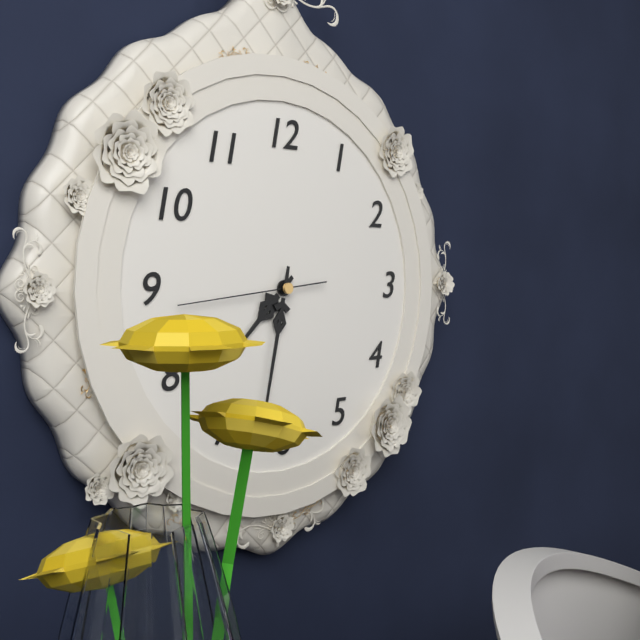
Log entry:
h=7 m=32 s=44
